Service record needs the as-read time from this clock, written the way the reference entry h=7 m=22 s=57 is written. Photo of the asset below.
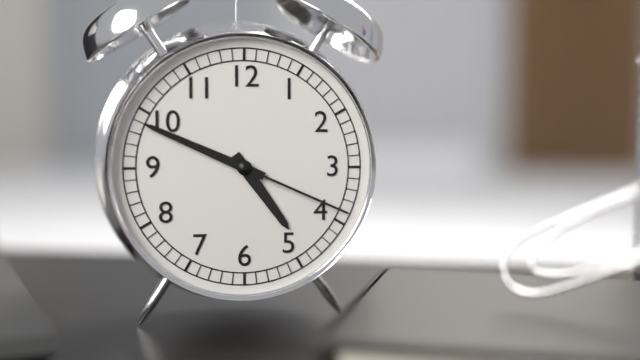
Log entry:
h=4 m=49 s=19
